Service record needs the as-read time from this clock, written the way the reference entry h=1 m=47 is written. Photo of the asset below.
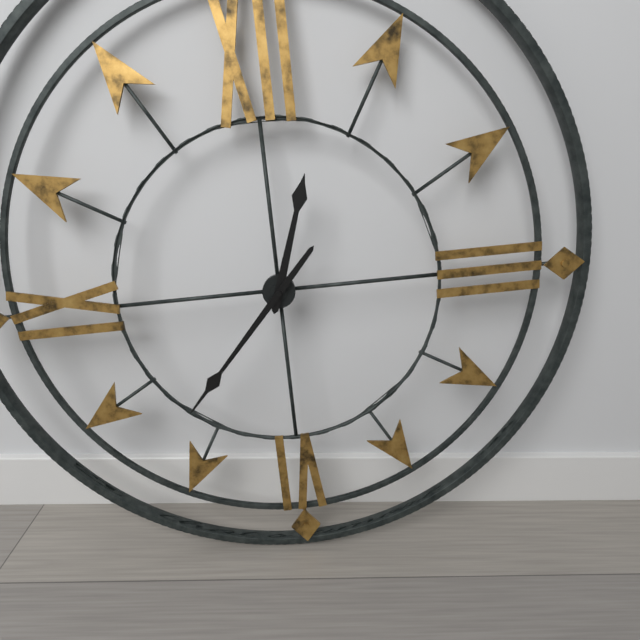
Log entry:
h=12 m=37
